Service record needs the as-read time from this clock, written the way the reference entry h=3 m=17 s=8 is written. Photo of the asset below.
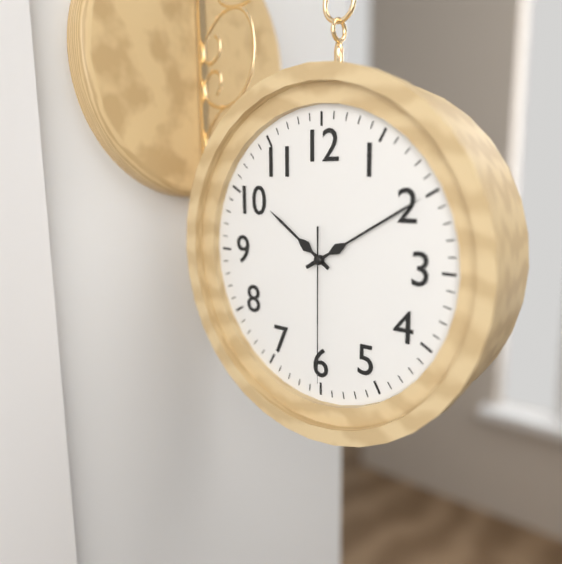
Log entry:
h=10 m=10 s=30
